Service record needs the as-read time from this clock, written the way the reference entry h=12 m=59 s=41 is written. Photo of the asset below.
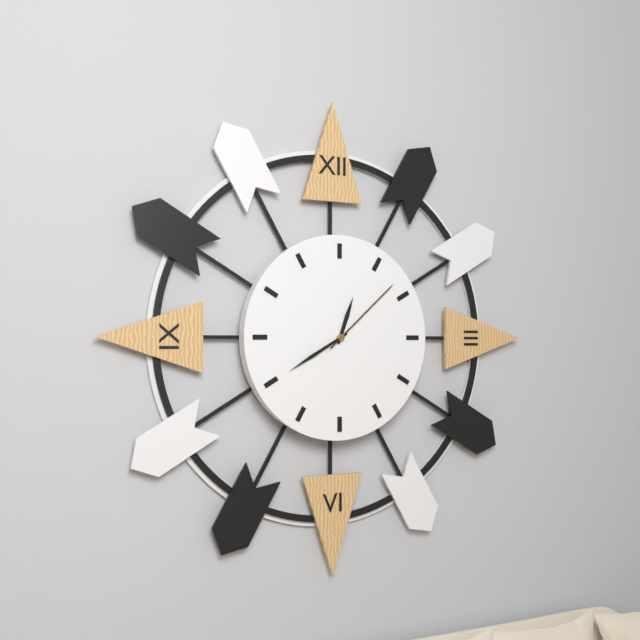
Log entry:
h=12 m=40 s=8
